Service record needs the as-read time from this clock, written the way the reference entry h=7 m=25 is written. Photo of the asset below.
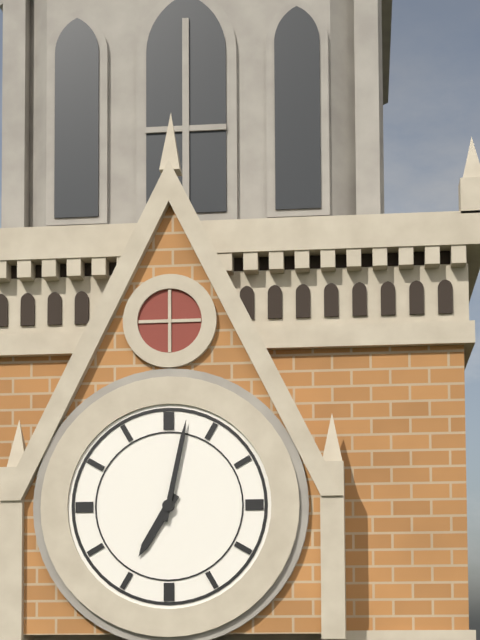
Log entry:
h=7 m=2
